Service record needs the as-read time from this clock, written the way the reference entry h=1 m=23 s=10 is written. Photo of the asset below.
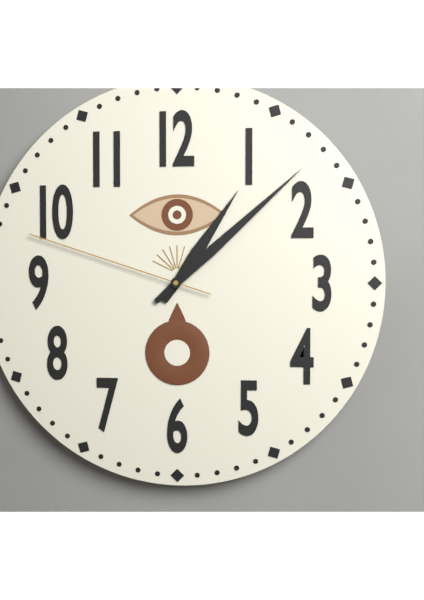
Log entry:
h=1 m=8 s=48
